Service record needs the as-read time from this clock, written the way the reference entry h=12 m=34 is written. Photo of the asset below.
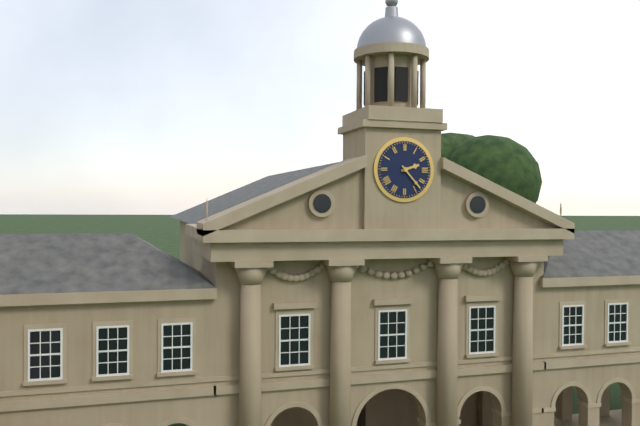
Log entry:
h=2 m=23
